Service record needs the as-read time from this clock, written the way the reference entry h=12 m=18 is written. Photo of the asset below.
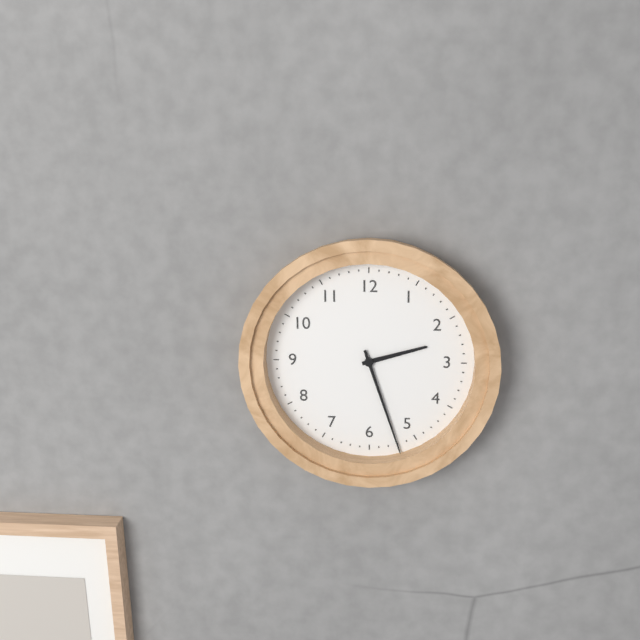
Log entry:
h=2 m=27
